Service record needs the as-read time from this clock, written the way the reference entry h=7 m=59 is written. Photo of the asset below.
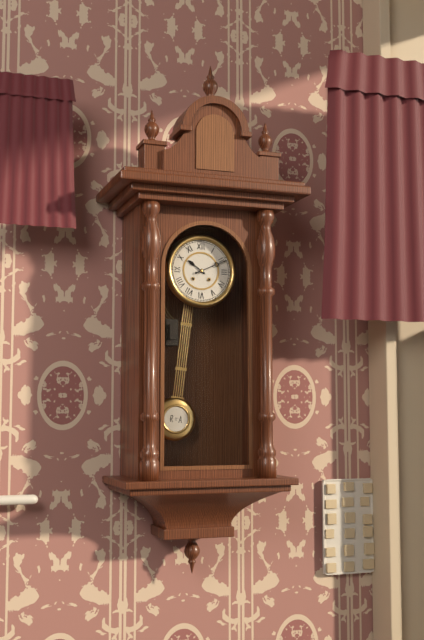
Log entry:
h=10 m=11
